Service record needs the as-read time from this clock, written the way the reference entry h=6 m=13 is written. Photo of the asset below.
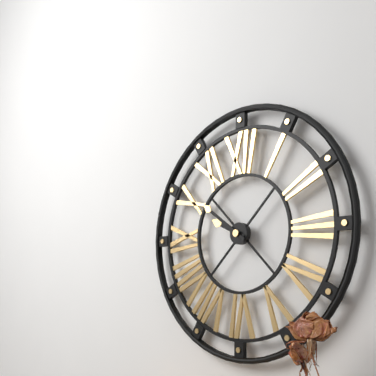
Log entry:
h=9 m=51
